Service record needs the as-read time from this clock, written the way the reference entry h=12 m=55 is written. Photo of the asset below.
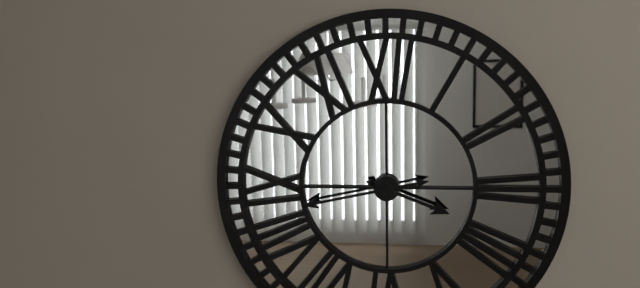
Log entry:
h=3 m=43
